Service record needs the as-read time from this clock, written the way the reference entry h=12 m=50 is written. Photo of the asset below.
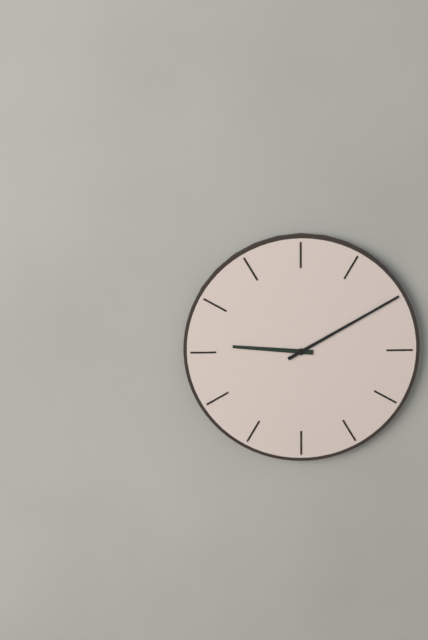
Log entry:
h=9 m=10
